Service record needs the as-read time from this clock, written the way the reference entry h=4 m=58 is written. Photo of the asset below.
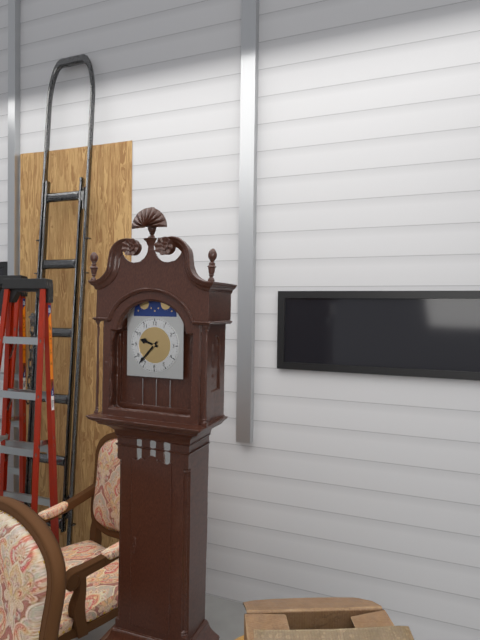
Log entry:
h=9 m=37
